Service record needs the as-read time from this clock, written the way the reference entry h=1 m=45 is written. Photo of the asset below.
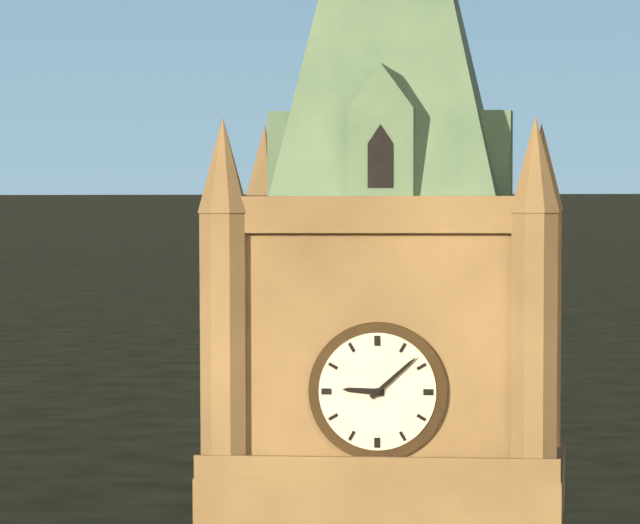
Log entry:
h=9 m=8
